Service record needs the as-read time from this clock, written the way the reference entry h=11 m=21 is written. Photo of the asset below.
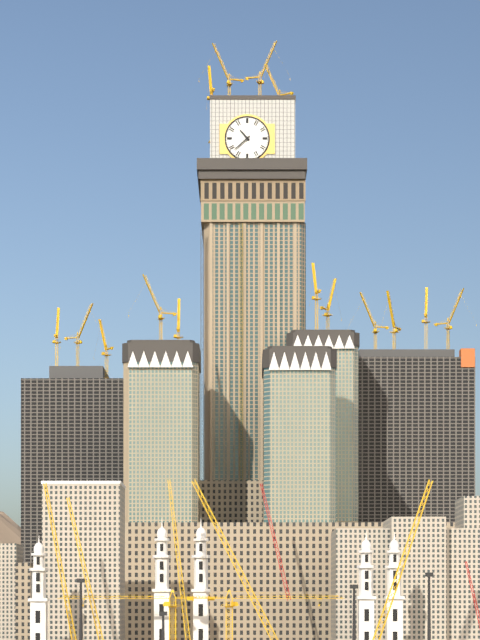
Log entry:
h=10 m=38
